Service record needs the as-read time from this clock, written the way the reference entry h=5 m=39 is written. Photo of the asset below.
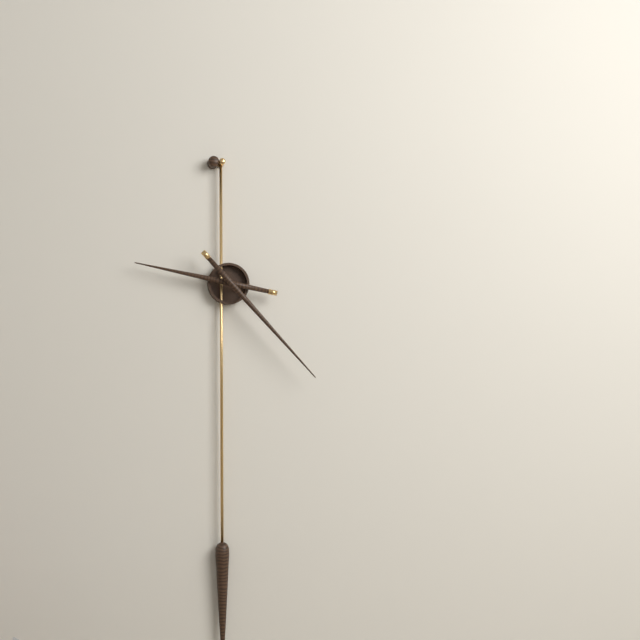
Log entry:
h=9 m=23
